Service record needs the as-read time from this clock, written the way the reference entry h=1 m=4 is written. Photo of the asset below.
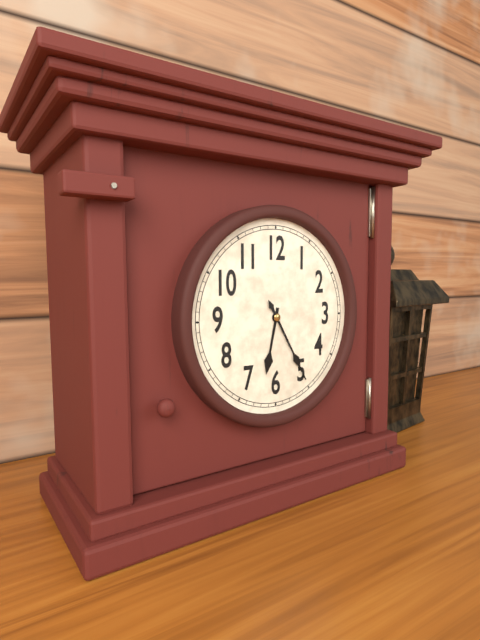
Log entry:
h=6 m=25
